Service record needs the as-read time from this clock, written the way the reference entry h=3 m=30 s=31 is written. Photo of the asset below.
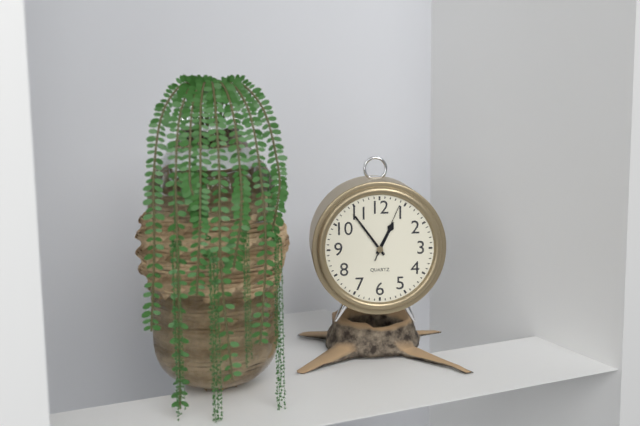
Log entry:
h=12 m=54 s=4
